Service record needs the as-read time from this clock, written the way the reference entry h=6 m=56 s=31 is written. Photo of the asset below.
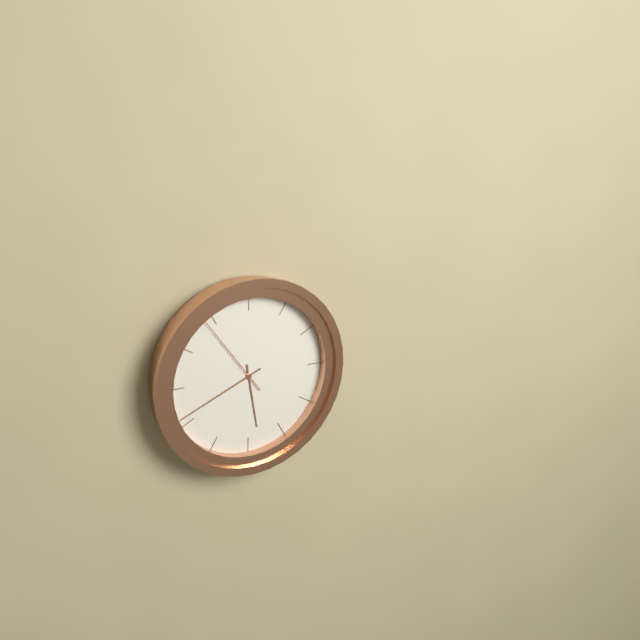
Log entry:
h=5 m=41 s=54
